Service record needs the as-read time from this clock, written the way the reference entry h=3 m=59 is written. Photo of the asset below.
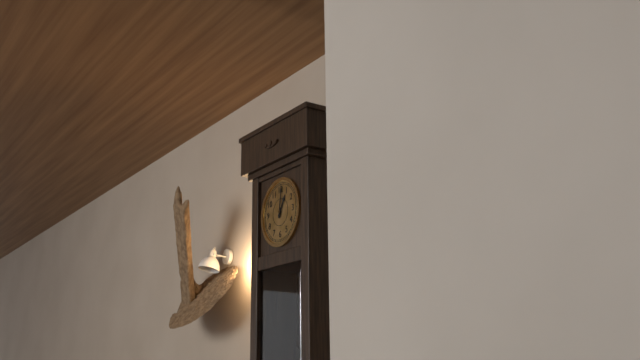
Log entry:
h=1 m=1
